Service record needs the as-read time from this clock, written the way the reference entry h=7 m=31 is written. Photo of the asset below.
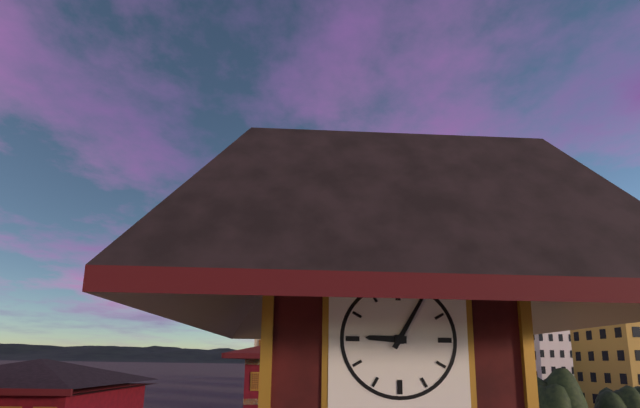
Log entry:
h=9 m=5
